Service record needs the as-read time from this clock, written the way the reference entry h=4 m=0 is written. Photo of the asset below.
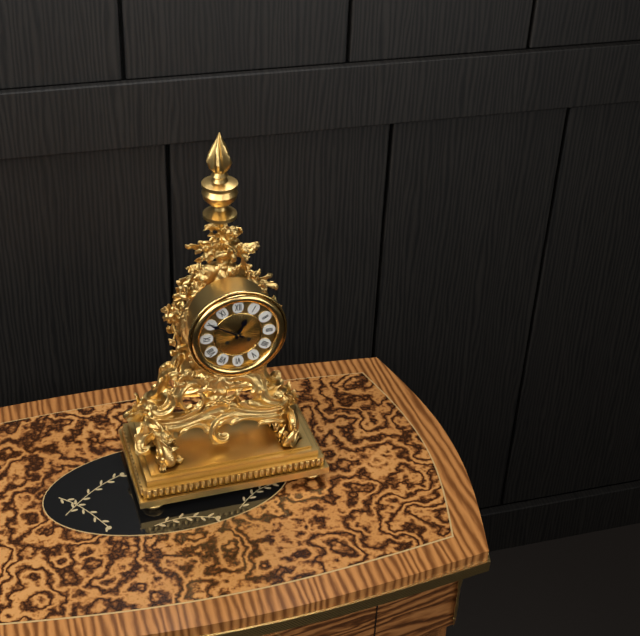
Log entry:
h=12 m=50
